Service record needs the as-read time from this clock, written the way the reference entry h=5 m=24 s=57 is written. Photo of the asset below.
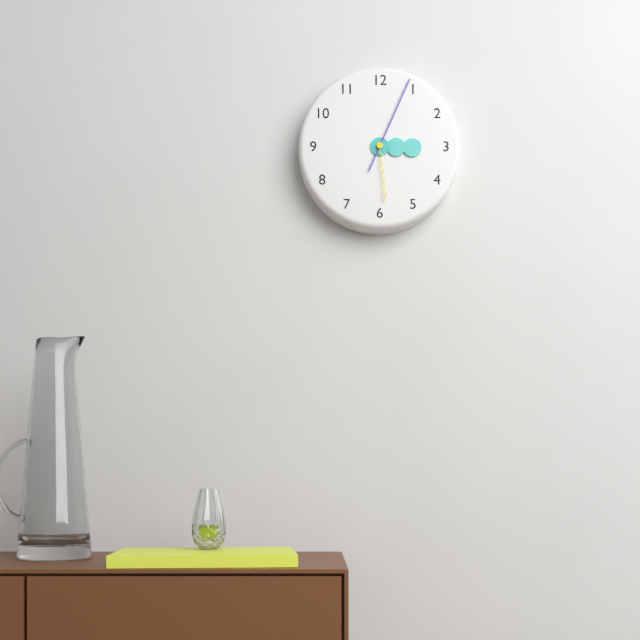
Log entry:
h=3 m=4 s=29
